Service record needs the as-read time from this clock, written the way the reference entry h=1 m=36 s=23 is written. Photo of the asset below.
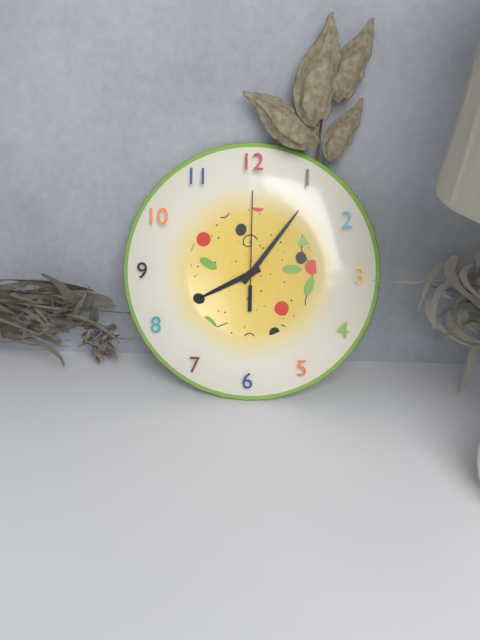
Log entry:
h=8 m=6 s=0
